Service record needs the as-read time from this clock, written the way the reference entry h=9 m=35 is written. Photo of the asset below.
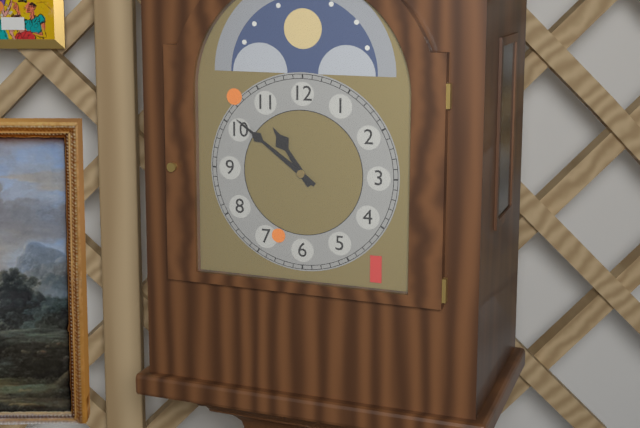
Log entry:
h=10 m=51
